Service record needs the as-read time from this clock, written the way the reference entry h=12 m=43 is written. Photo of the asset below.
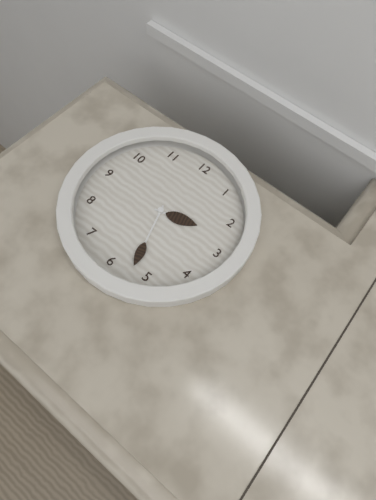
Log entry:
h=2 m=27
